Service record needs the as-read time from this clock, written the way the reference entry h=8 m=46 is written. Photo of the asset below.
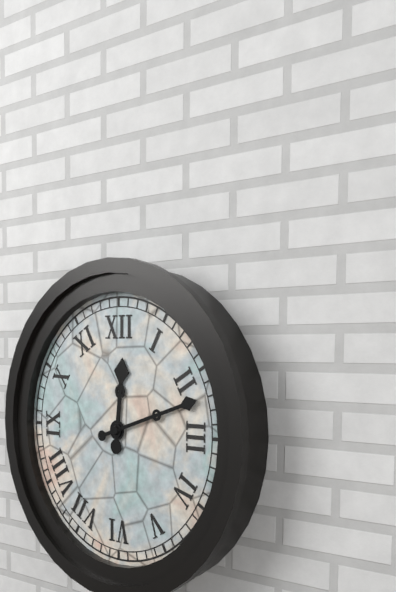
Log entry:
h=12 m=12
